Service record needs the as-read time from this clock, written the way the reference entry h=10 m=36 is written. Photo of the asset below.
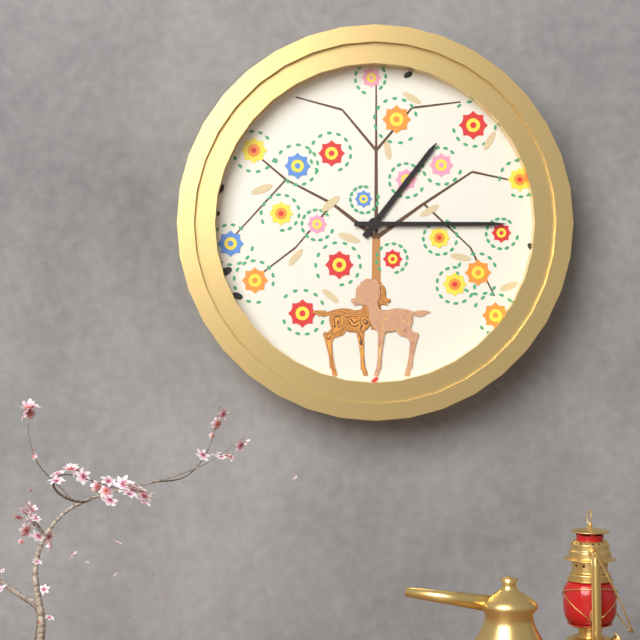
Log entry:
h=1 m=15
